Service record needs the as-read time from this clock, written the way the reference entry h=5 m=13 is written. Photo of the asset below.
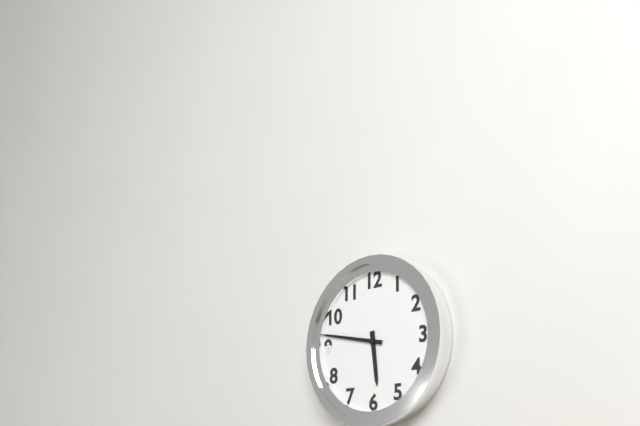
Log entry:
h=5 m=47
